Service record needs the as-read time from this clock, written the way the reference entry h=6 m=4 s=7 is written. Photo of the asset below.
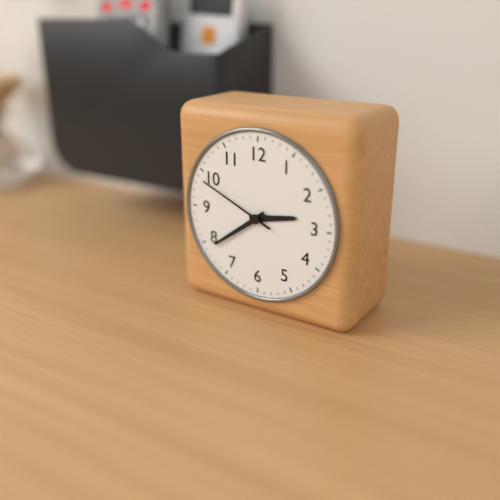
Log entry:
h=2 m=39 s=49
